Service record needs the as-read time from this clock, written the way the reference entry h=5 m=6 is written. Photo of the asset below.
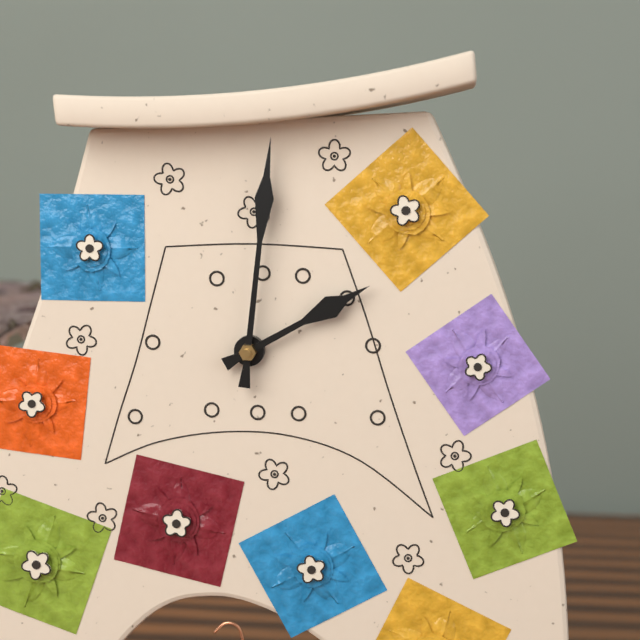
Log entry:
h=2 m=1
